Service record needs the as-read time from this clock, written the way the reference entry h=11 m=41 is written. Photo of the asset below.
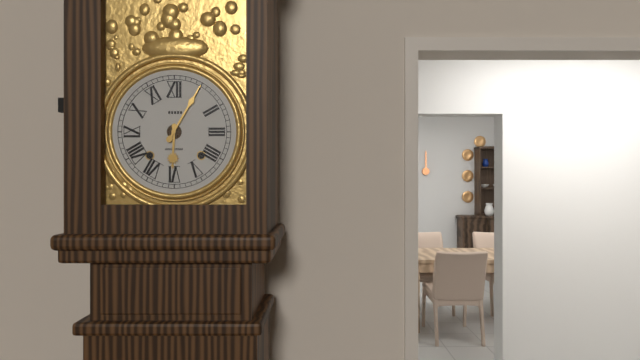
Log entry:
h=6 m=5
